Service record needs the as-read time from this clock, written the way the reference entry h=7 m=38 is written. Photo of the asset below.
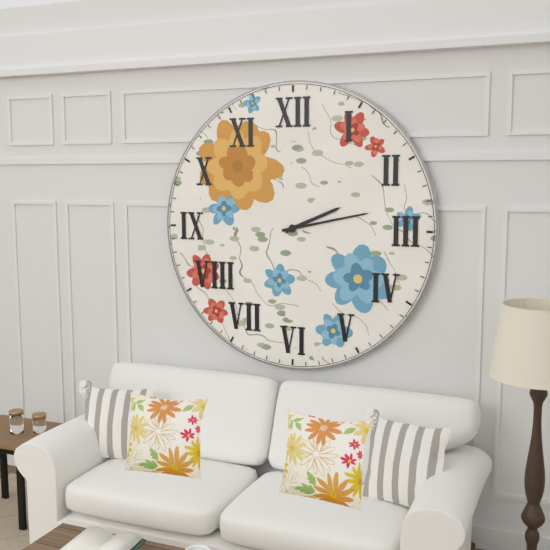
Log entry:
h=2 m=13
